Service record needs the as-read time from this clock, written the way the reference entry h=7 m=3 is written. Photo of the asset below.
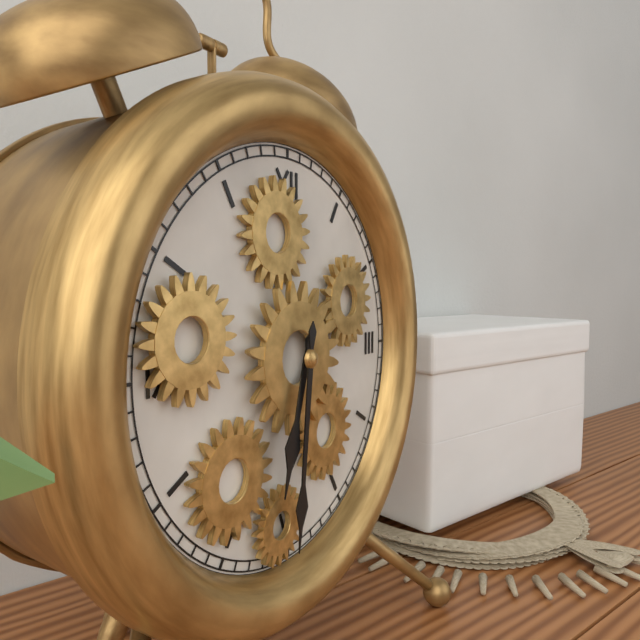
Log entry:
h=6 m=31
